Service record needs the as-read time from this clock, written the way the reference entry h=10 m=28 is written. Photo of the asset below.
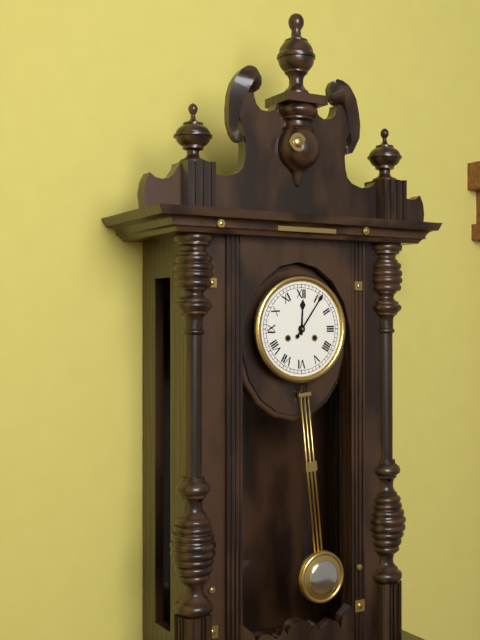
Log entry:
h=12 m=6
